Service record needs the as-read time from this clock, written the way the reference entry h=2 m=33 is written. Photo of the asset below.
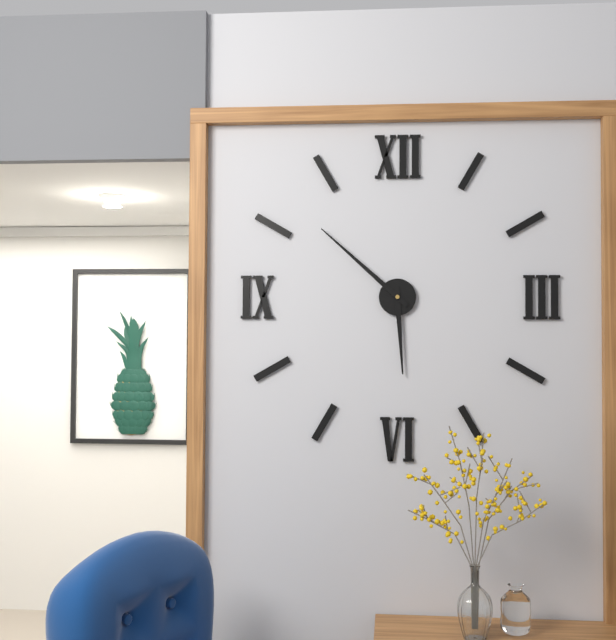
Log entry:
h=5 m=52
